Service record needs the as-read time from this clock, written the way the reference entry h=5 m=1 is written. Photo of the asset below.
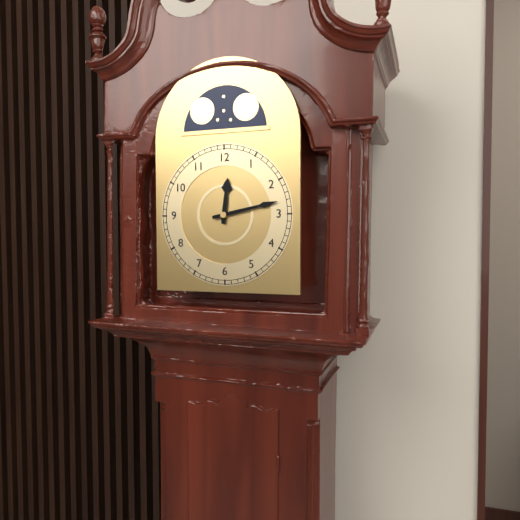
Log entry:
h=12 m=13
